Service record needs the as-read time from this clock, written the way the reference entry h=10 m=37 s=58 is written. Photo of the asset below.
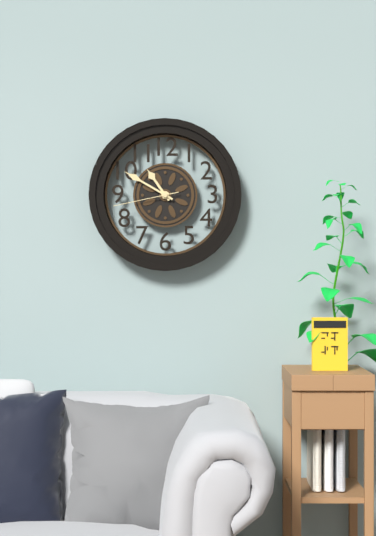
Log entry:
h=10 m=50 s=43
